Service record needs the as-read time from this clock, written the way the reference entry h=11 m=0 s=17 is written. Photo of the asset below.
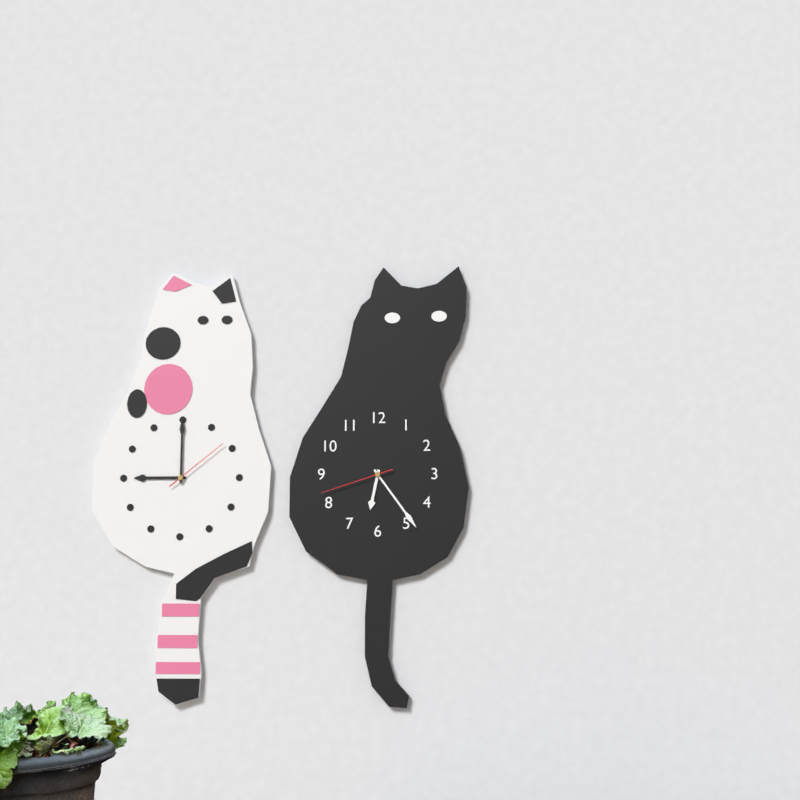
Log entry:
h=6 m=24 s=42
